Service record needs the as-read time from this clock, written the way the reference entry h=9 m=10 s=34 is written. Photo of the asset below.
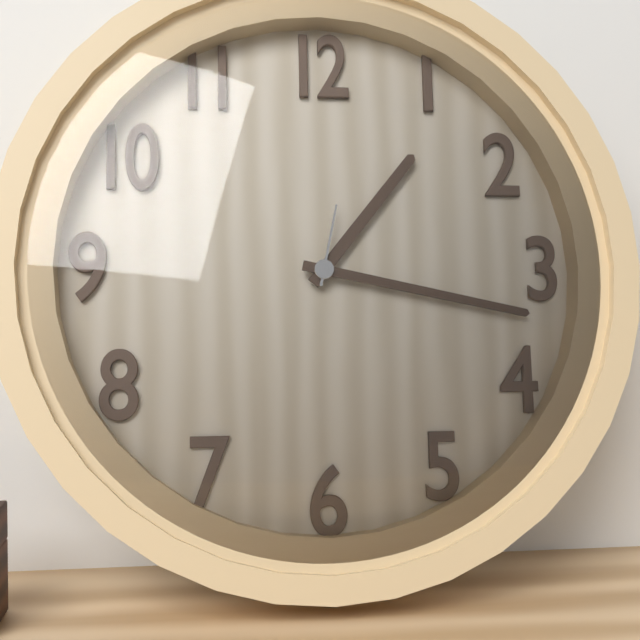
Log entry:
h=1 m=17 s=2
